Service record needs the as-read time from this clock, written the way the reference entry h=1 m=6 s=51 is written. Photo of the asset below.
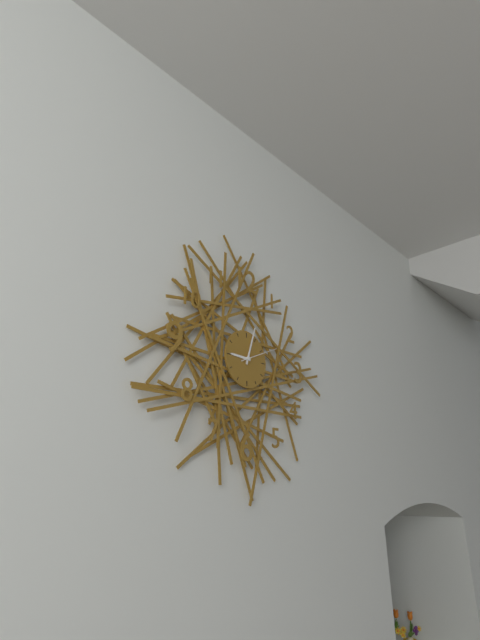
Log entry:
h=9 m=3 s=11
